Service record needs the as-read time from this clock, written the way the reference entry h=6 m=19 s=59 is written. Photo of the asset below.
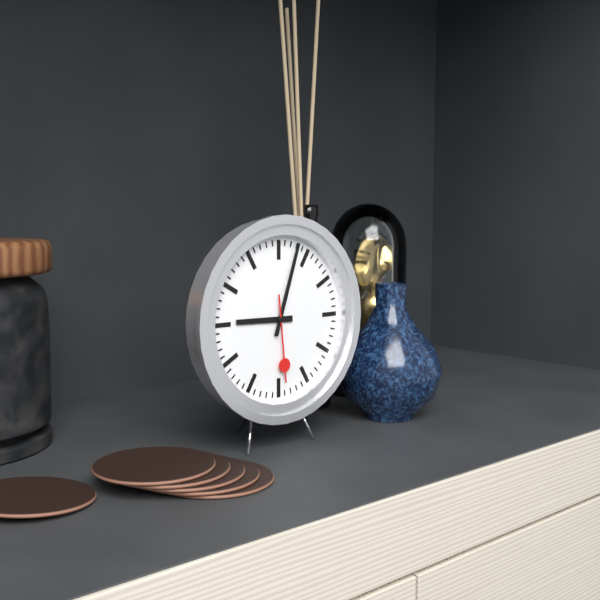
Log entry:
h=9 m=3 s=29
